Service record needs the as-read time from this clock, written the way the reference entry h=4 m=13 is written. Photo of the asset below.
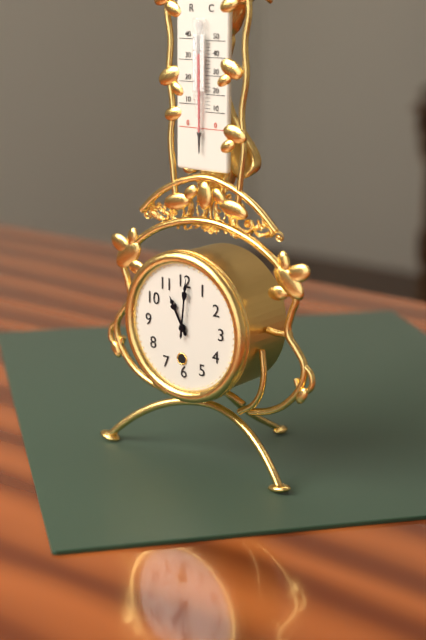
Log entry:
h=11 m=1
